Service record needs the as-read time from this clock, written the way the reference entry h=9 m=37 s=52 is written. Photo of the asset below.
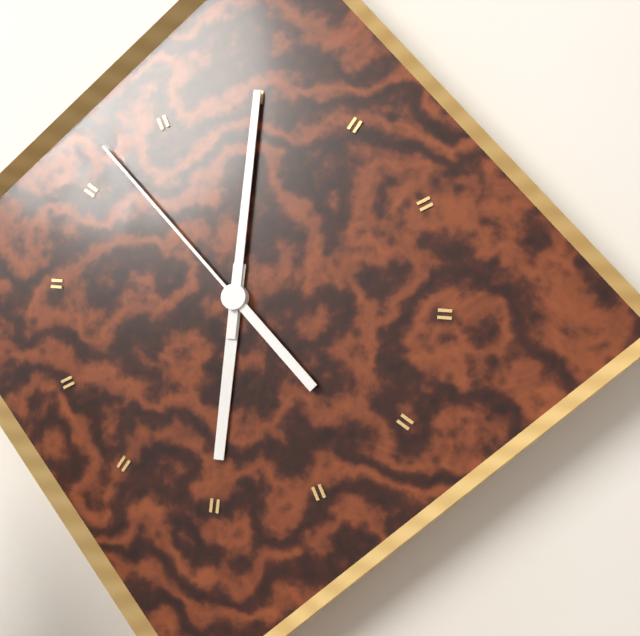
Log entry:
h=6 m=0 s=52
